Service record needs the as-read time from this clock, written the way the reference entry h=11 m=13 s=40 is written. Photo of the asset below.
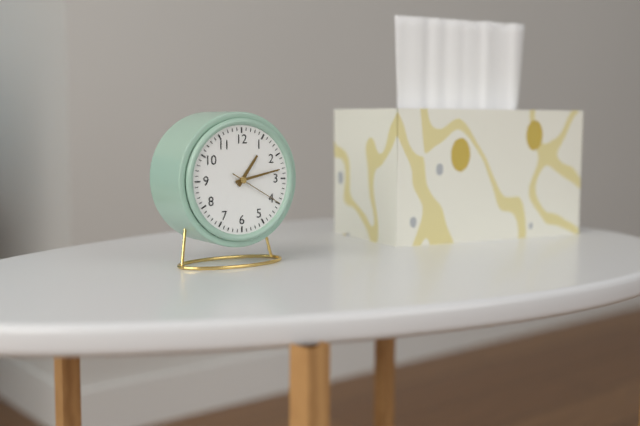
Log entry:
h=1 m=13 s=20
